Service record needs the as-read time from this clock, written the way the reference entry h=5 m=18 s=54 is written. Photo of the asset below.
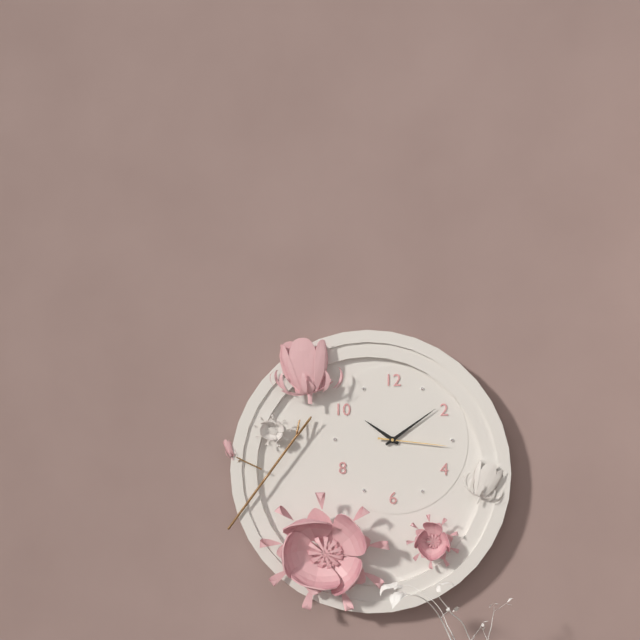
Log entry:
h=10 m=9 s=16
